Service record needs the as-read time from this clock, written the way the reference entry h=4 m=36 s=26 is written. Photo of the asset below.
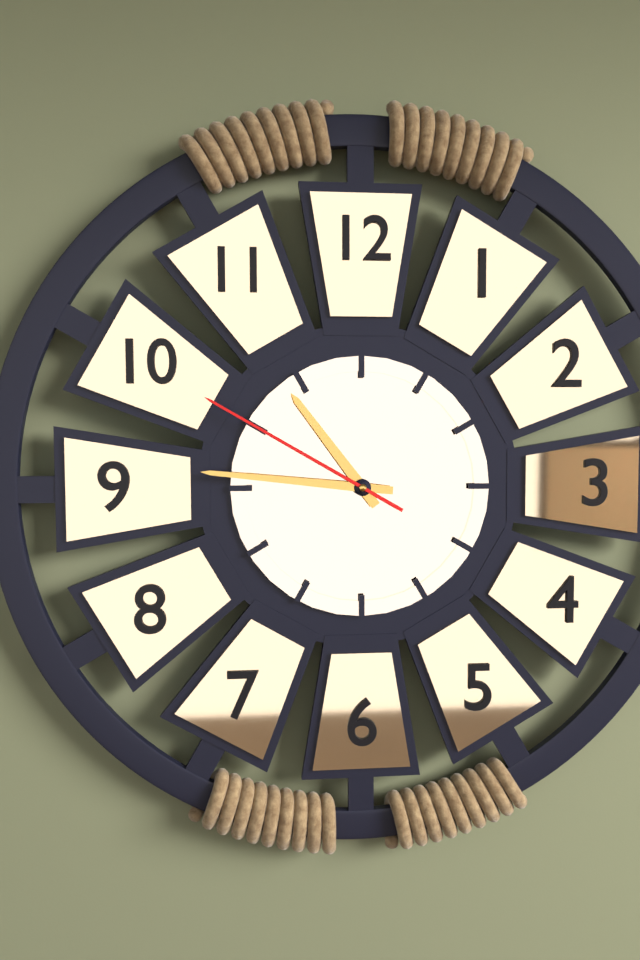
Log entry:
h=10 m=46 s=50
